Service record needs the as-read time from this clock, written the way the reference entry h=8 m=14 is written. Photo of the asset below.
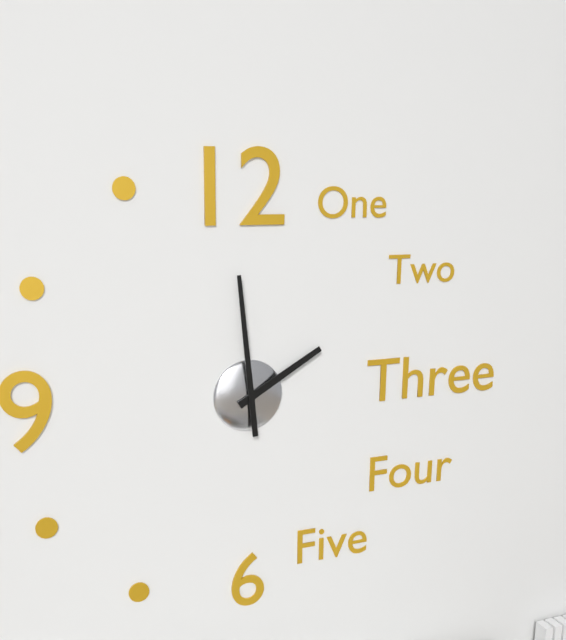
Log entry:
h=1 m=59
